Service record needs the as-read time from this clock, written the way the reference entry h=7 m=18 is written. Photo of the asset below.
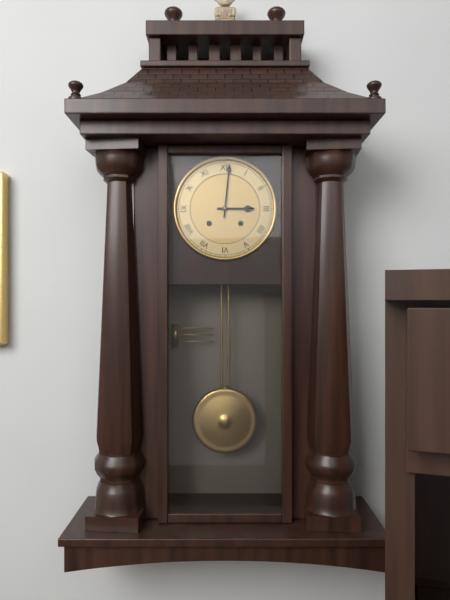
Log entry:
h=3 m=1
